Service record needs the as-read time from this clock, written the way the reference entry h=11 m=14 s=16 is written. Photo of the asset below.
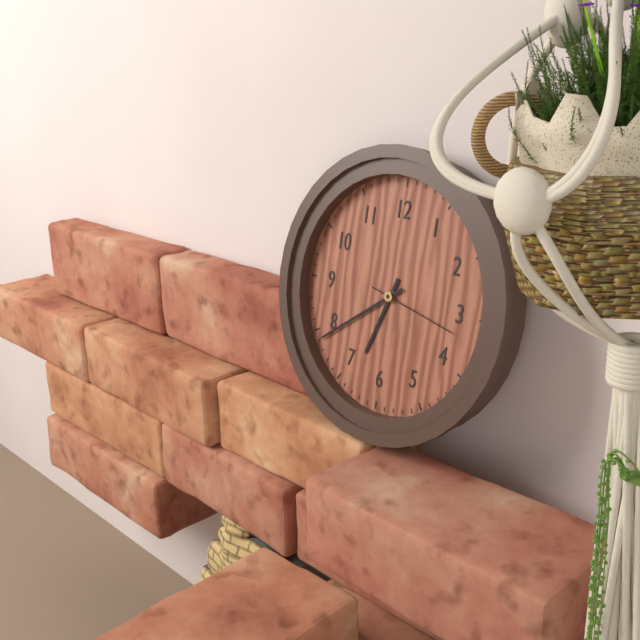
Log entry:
h=6 m=39 s=17
